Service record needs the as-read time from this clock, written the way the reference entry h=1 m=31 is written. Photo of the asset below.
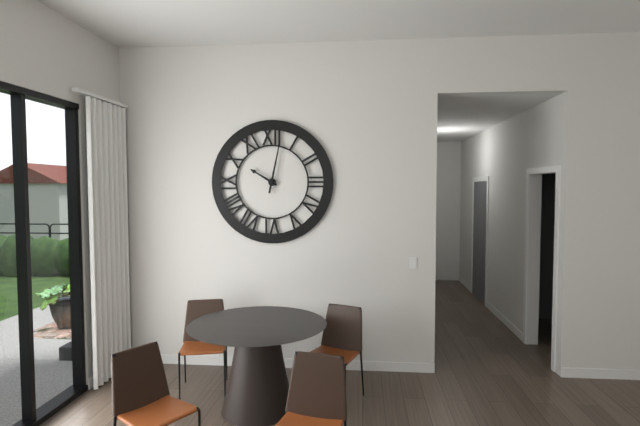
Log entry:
h=10 m=2
